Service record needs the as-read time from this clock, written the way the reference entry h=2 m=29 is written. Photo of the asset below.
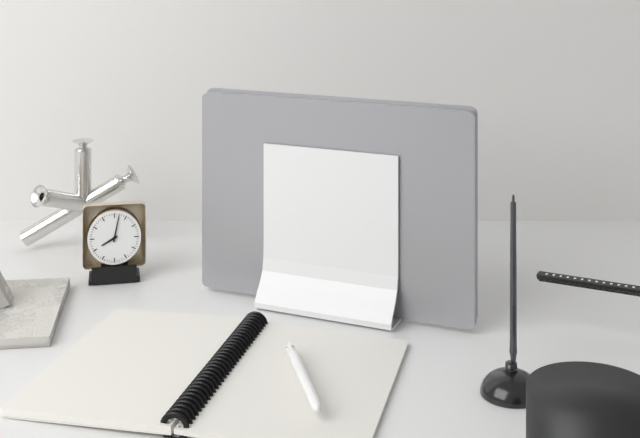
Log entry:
h=8 m=2
